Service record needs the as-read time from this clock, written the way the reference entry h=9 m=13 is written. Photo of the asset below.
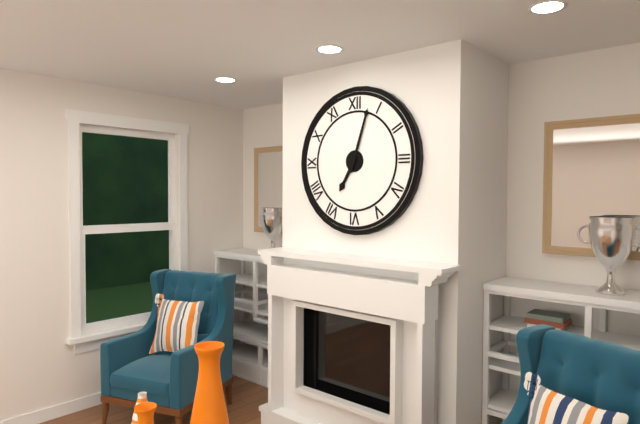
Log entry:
h=7 m=3
